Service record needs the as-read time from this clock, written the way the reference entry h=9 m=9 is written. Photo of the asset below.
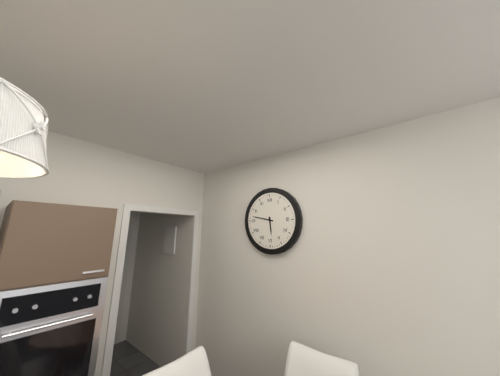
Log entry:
h=5 m=47
